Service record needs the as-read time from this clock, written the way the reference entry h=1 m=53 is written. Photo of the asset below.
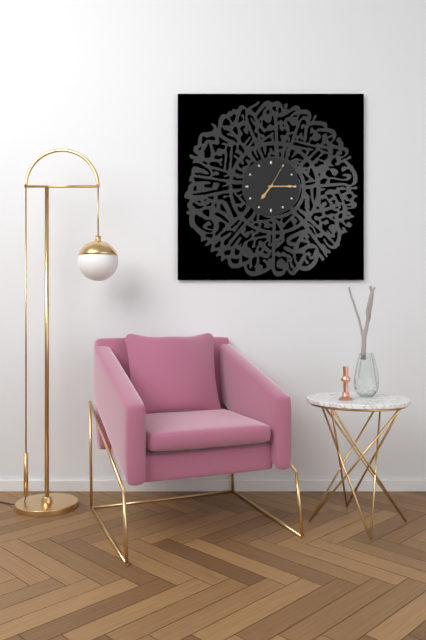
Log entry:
h=7 m=15
